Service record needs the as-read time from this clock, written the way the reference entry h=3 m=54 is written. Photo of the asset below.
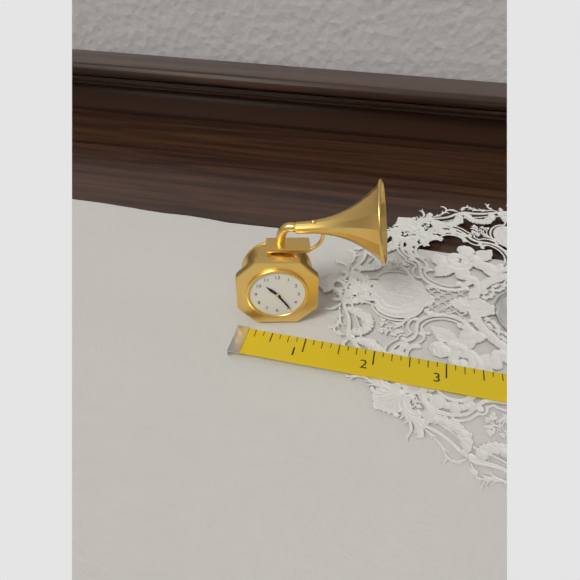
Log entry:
h=10 m=24
